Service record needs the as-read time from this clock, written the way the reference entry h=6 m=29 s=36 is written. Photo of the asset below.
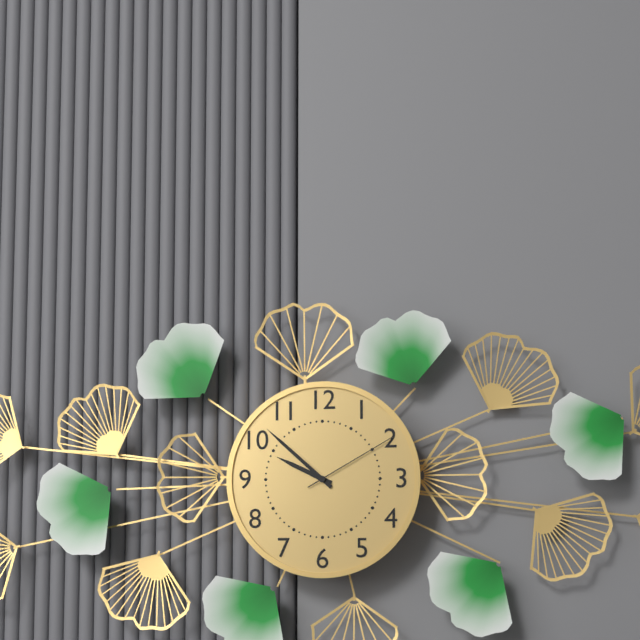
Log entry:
h=9 m=52 s=10
